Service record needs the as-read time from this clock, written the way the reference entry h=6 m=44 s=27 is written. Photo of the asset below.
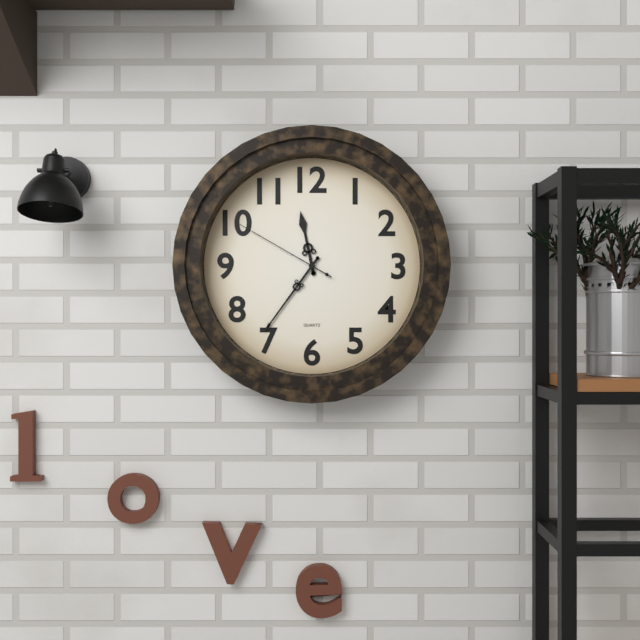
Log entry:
h=11 m=36 s=50
